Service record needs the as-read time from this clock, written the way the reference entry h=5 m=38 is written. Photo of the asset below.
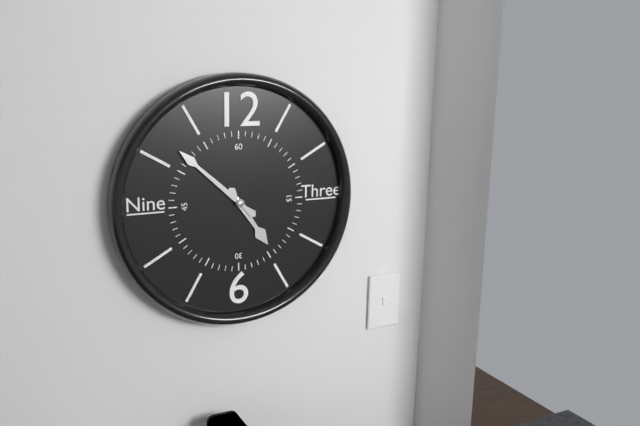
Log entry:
h=4 m=52
